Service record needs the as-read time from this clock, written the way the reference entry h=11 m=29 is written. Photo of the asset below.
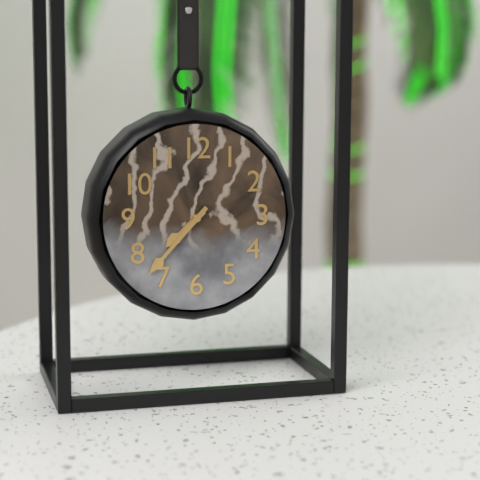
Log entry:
h=7 m=37
